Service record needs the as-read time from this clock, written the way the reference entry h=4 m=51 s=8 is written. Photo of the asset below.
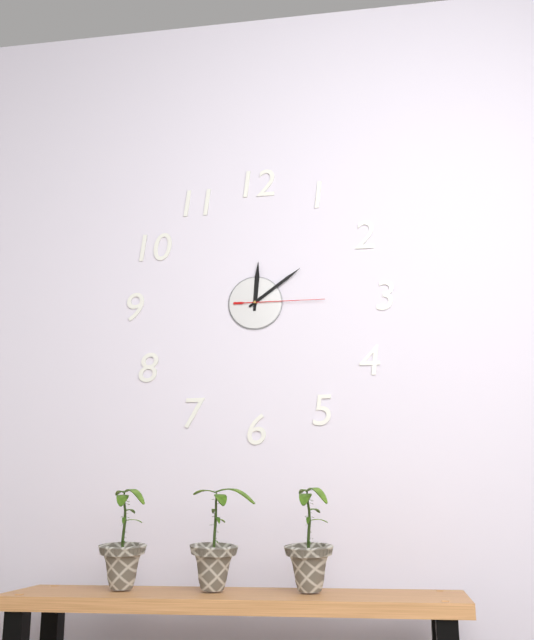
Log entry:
h=12 m=9 s=15
